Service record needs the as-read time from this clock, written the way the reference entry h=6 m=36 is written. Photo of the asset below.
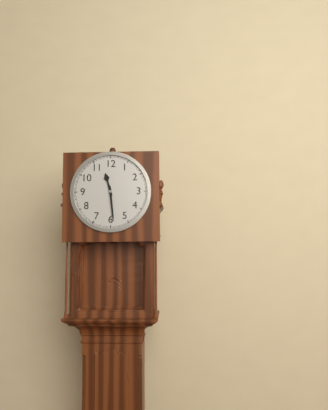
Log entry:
h=11 m=29
